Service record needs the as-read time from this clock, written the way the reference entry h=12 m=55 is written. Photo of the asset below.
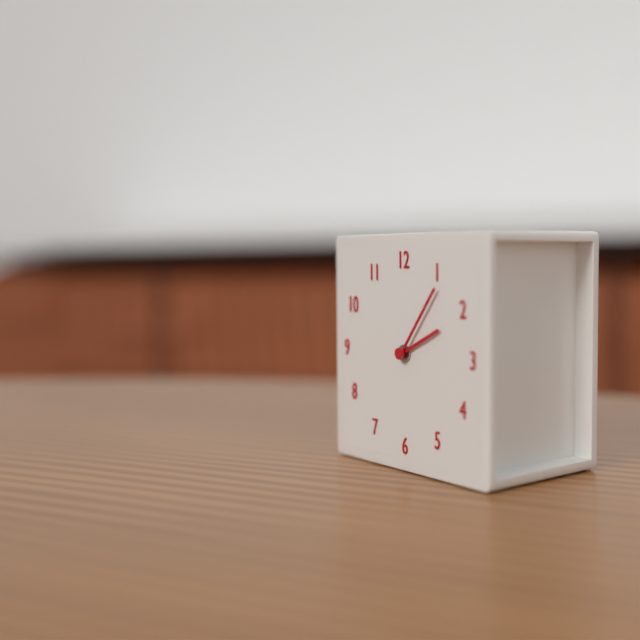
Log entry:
h=2 m=6
